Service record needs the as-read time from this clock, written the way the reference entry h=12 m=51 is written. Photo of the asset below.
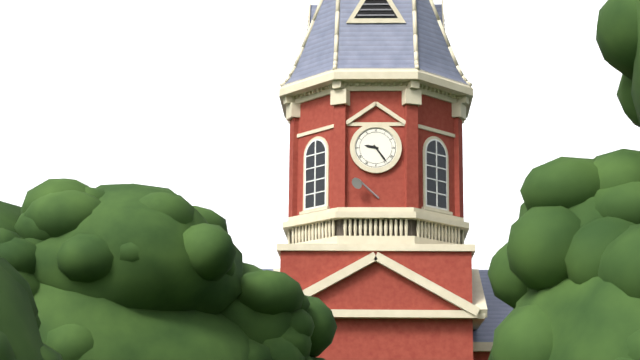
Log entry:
h=9 m=24
